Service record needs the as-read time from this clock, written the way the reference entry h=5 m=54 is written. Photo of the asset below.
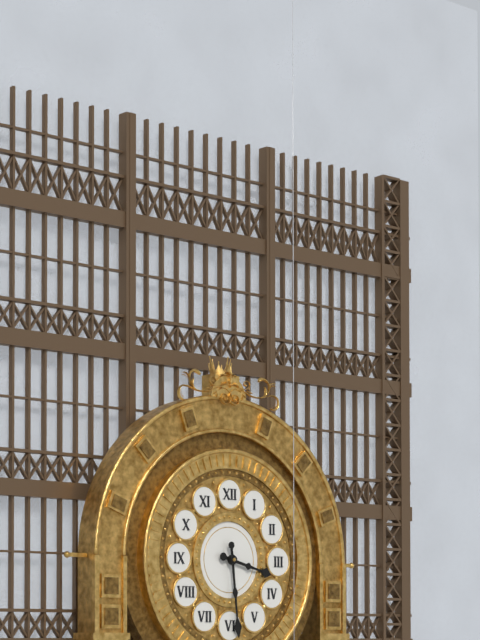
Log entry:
h=3 m=29
